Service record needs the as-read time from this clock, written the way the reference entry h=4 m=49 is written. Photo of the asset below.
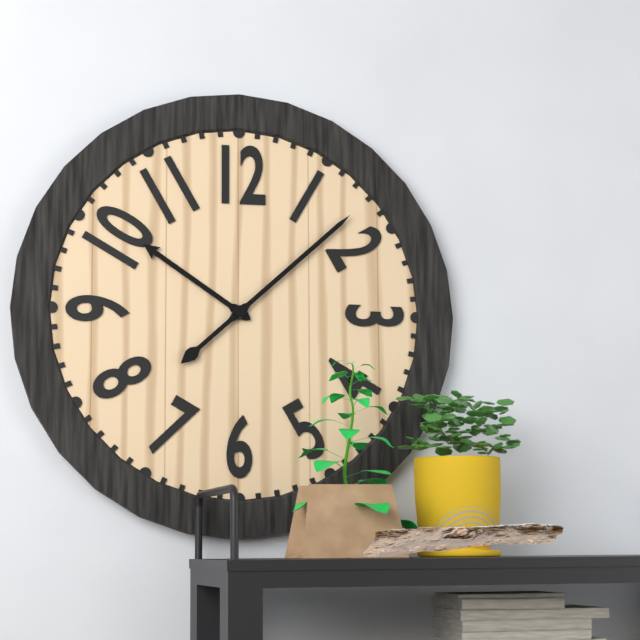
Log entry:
h=10 m=8
